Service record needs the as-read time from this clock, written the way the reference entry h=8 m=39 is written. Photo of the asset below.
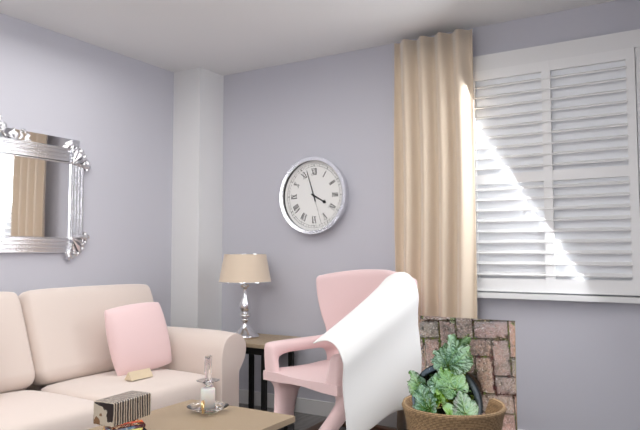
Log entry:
h=3 m=57
